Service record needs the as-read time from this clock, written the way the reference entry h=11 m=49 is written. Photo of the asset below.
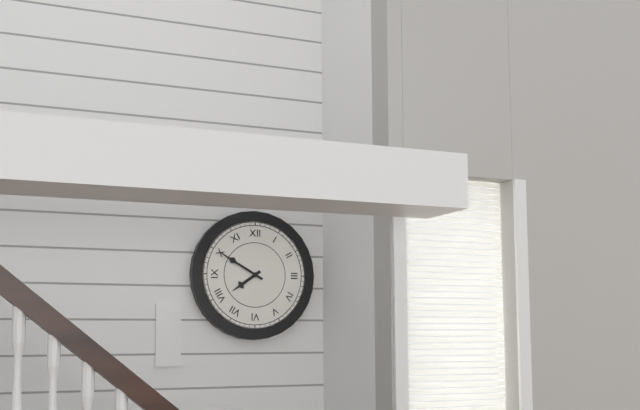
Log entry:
h=7 m=50
